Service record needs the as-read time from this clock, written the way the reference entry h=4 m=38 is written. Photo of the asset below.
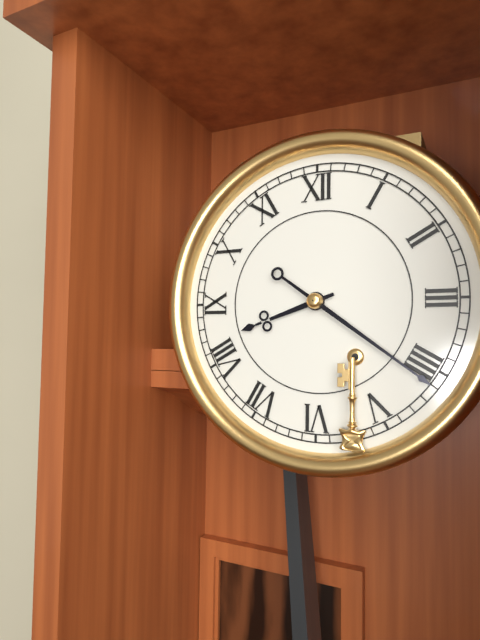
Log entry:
h=8 m=21
